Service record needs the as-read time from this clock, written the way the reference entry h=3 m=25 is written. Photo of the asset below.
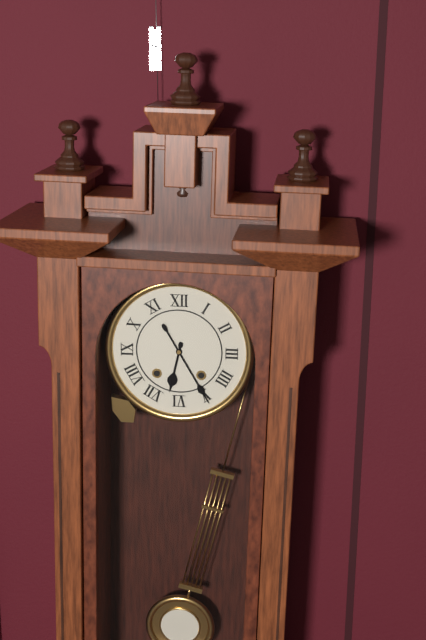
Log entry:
h=6 m=25
